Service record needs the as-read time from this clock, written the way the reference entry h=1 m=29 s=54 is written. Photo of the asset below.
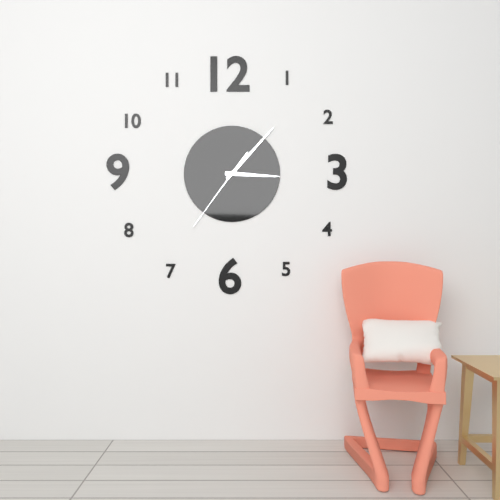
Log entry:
h=3 m=7 s=36
